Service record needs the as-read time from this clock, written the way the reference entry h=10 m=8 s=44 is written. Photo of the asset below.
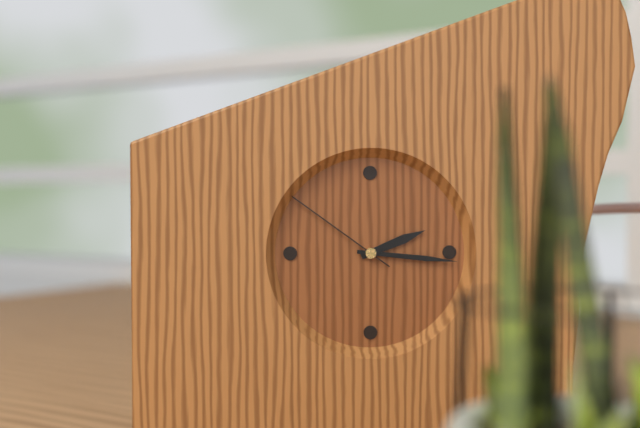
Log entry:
h=2 m=16 s=51
